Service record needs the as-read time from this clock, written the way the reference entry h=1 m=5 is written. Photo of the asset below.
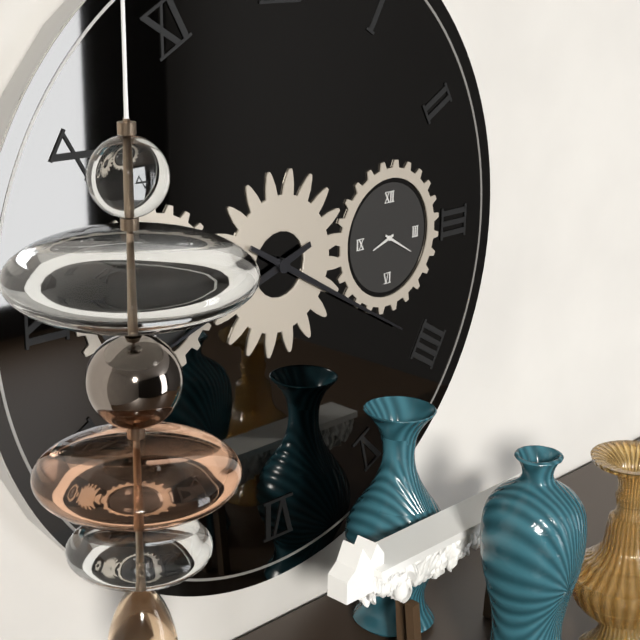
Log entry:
h=8 m=20
